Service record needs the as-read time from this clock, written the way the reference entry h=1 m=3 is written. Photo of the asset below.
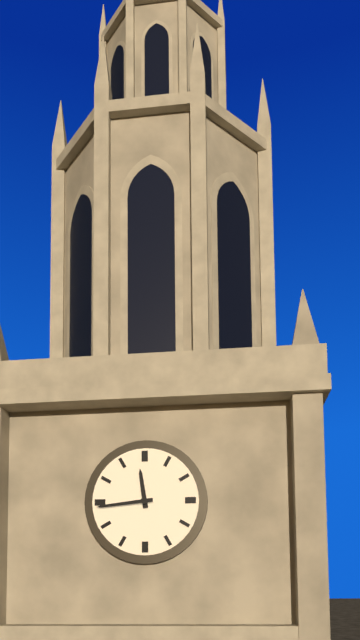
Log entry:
h=11 m=44
